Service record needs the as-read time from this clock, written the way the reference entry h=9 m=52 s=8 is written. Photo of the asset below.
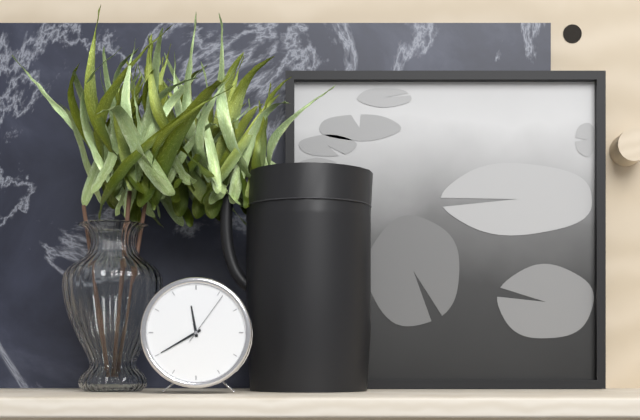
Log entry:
h=11 m=40 s=6
